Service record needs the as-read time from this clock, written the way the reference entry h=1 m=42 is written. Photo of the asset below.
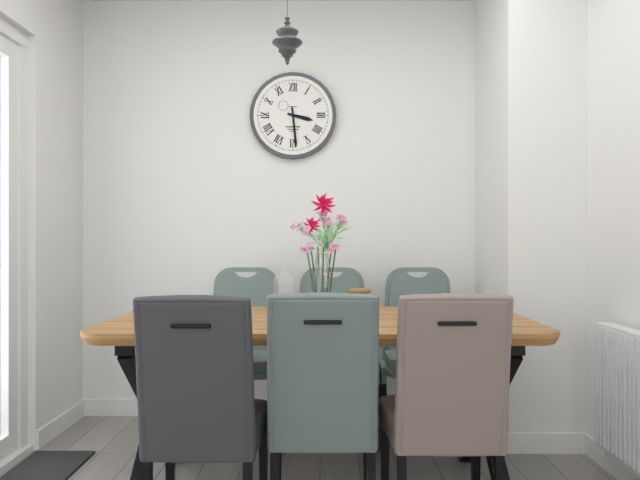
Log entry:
h=3 m=29
